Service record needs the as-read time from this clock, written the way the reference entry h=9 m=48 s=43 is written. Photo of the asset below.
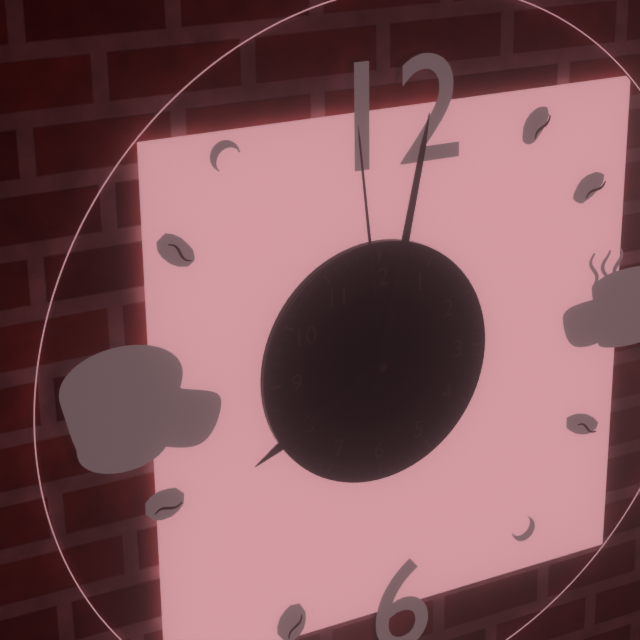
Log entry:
h=8 m=2 s=59
